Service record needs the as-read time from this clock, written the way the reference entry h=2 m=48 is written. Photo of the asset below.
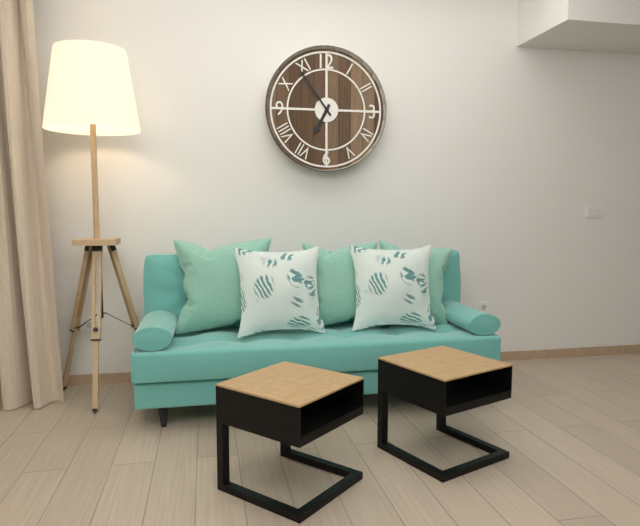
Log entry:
h=6 m=54
